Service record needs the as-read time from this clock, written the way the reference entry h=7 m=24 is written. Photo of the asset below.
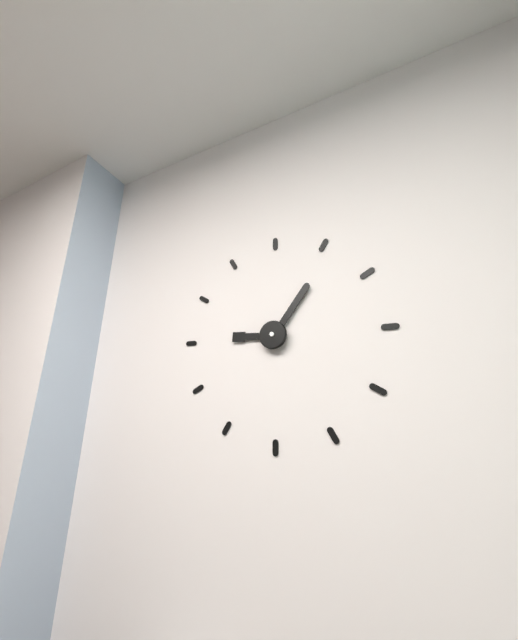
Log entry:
h=9 m=6
